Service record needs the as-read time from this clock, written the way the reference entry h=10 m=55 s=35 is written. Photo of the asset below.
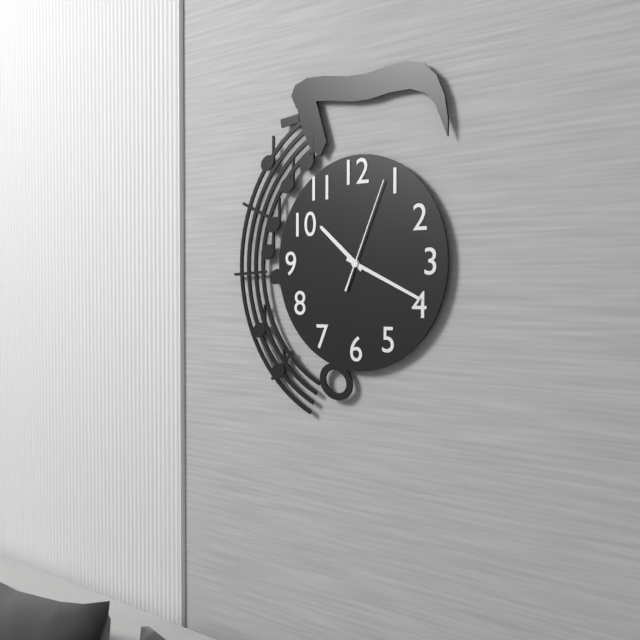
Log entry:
h=10 m=19 s=4
